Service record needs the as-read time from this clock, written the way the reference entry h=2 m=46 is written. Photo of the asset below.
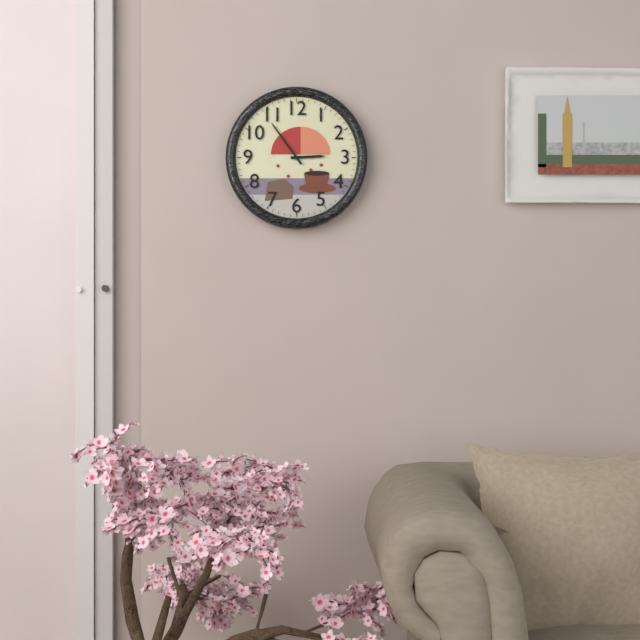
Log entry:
h=2 m=54
